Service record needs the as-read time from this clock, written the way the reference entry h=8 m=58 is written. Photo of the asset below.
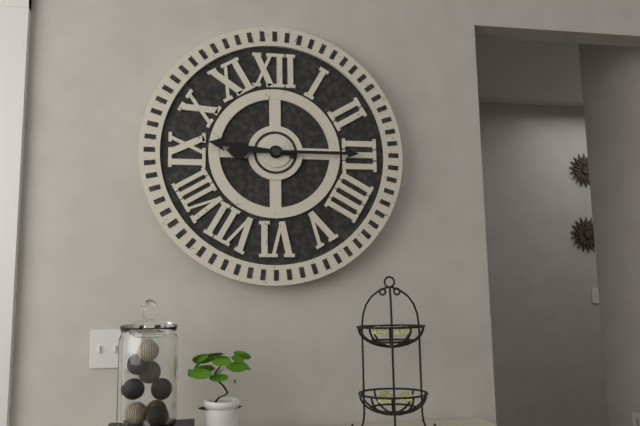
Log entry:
h=9 m=15
